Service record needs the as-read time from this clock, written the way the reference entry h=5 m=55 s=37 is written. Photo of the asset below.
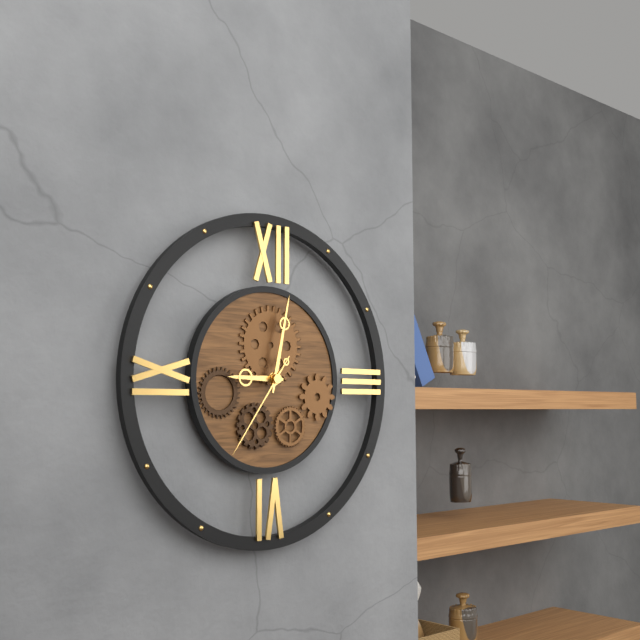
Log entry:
h=9 m=2 s=36
